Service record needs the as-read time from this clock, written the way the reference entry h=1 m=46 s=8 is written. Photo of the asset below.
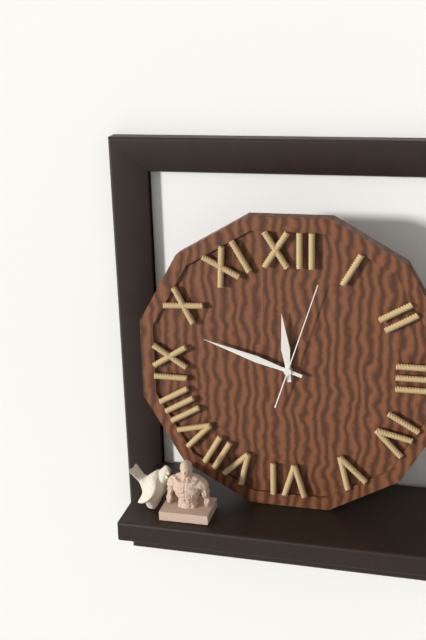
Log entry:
h=11 m=48 s=3
